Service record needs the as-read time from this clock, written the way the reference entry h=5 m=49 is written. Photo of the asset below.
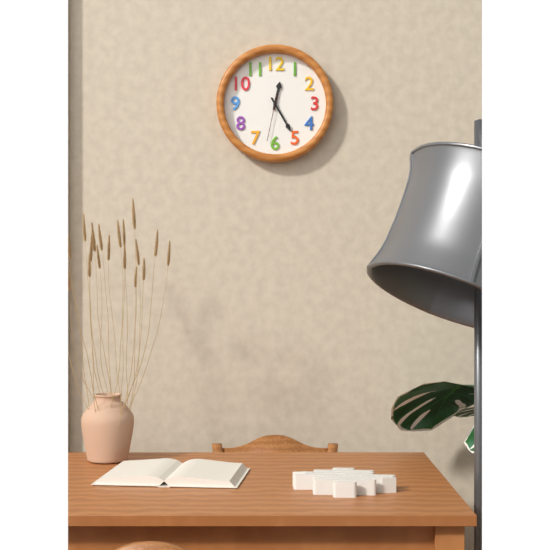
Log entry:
h=12 m=25
